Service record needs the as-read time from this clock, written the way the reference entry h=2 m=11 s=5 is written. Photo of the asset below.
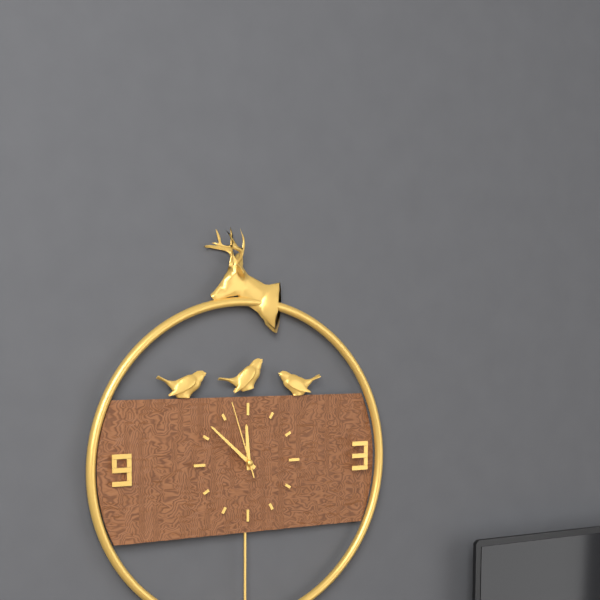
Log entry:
h=11 m=52 s=57
